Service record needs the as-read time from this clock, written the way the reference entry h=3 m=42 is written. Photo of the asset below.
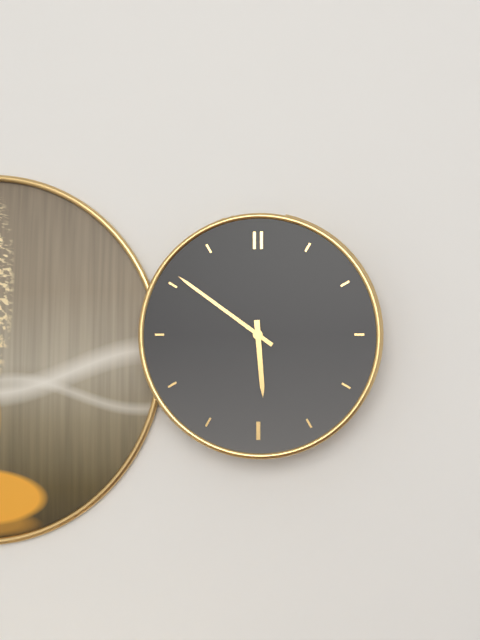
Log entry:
h=5 m=51
